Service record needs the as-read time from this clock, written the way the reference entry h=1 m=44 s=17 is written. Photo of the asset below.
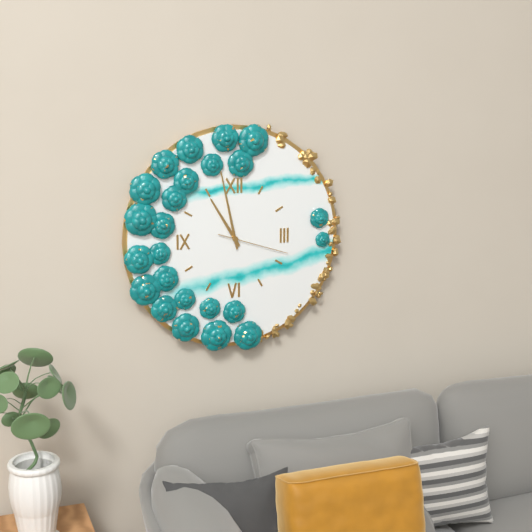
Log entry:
h=10 m=58 s=18
